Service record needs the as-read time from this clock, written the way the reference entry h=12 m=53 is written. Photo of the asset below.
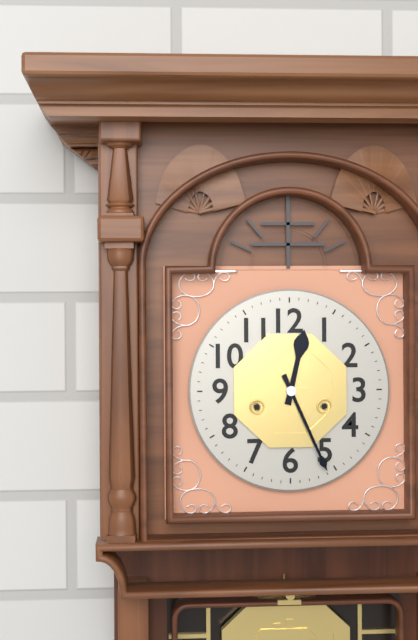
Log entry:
h=12 m=26
